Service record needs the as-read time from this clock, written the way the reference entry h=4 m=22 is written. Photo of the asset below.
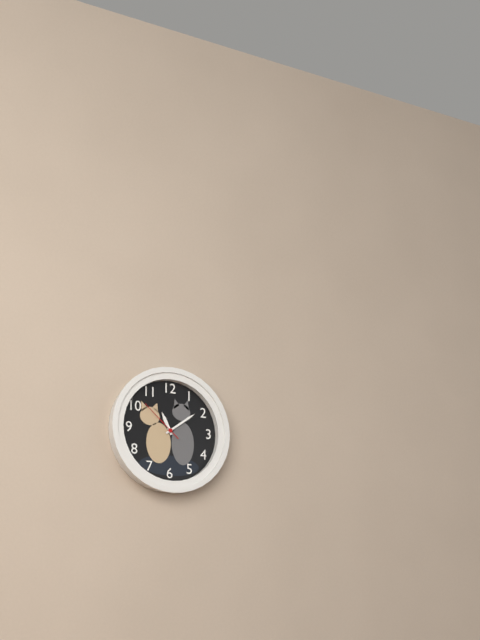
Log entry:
h=11 m=9
